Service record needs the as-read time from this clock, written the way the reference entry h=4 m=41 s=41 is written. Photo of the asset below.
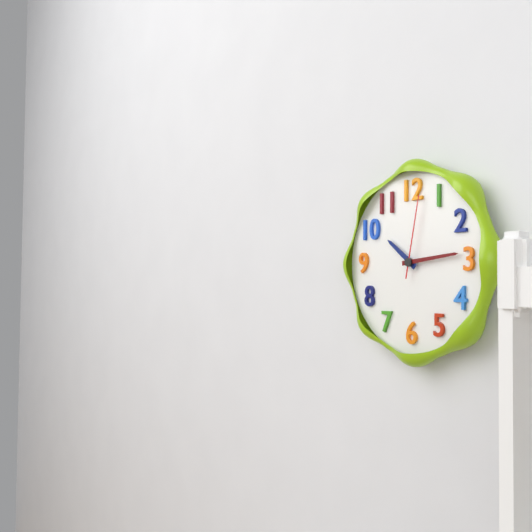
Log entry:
h=10 m=14 s=2
